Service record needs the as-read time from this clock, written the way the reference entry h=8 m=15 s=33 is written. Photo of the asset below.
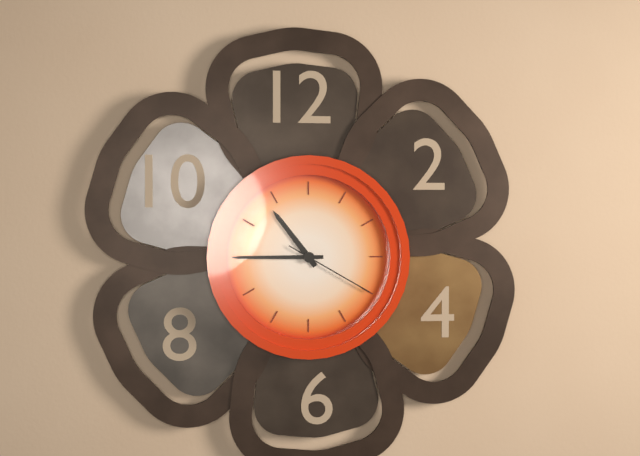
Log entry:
h=10 m=45 s=20
